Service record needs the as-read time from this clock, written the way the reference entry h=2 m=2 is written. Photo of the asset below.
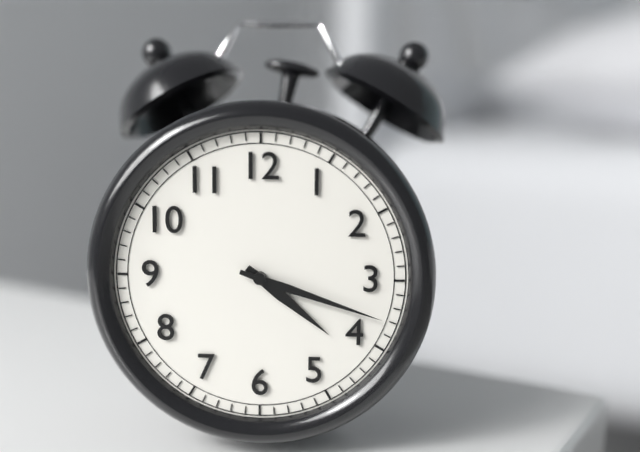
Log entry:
h=4 m=18
